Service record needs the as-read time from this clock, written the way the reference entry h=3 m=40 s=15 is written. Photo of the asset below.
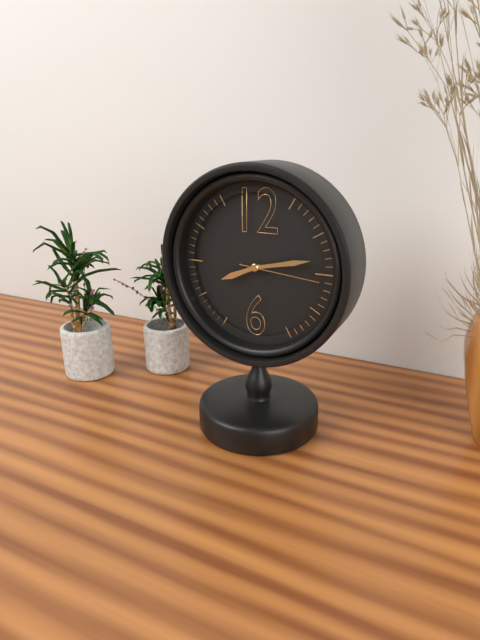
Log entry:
h=8 m=13 s=16
